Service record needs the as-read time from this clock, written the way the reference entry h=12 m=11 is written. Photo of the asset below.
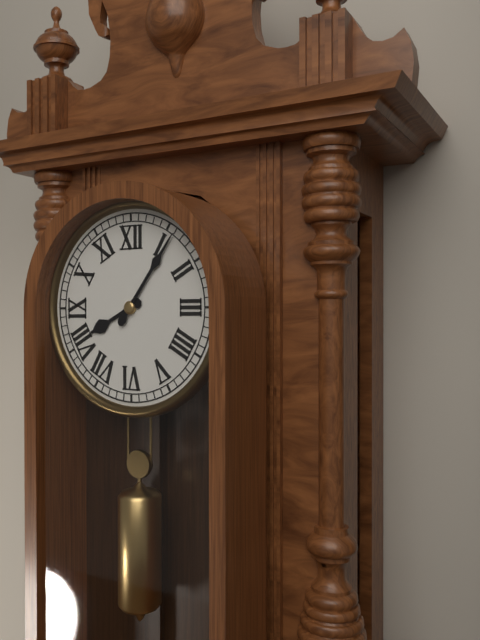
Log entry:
h=8 m=6
